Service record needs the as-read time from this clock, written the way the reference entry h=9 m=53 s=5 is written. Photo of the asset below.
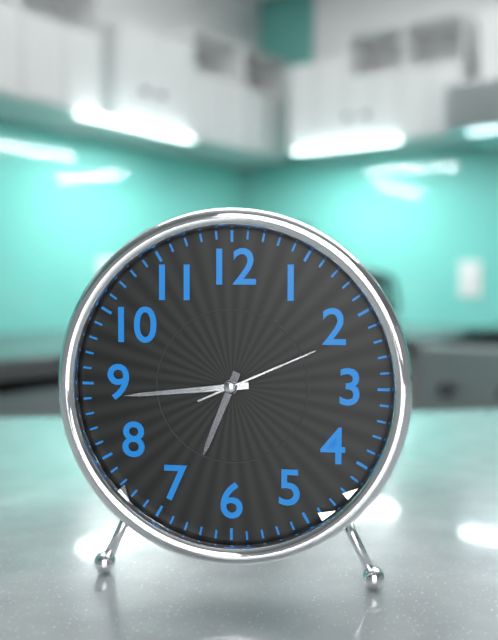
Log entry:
h=6 m=44 s=11
